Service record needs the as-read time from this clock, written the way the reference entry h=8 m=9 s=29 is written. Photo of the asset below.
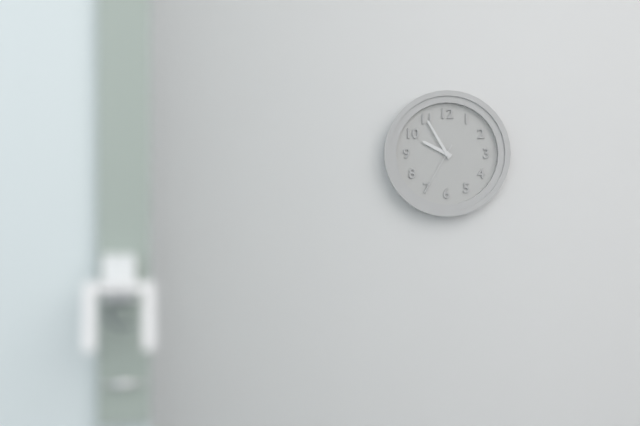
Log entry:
h=9 m=55 s=35
